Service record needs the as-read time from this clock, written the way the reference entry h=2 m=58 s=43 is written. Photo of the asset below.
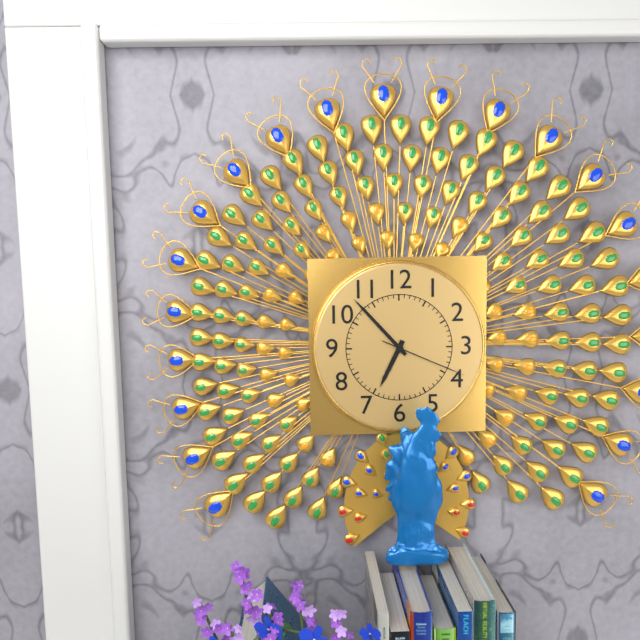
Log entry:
h=6 m=53 s=19
